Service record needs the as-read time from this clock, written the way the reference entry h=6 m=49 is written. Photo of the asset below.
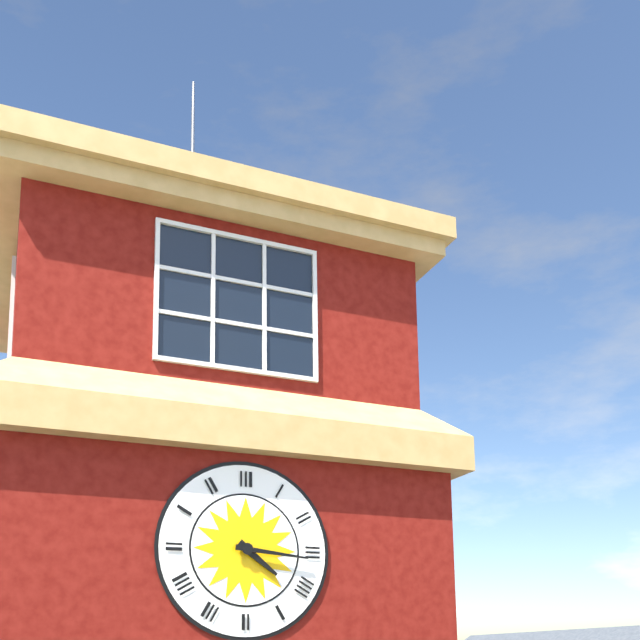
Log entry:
h=4 m=16
